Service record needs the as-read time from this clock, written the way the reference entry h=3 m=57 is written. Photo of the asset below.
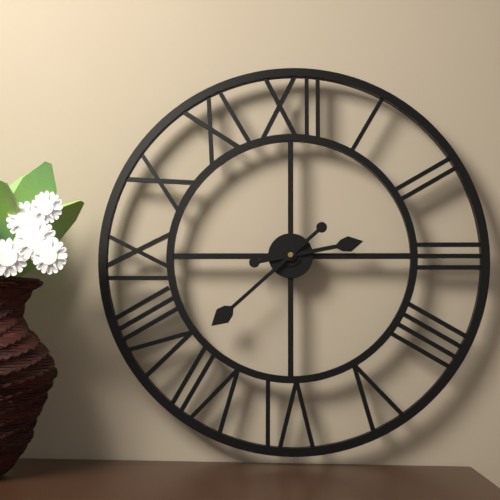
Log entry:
h=2 m=38
